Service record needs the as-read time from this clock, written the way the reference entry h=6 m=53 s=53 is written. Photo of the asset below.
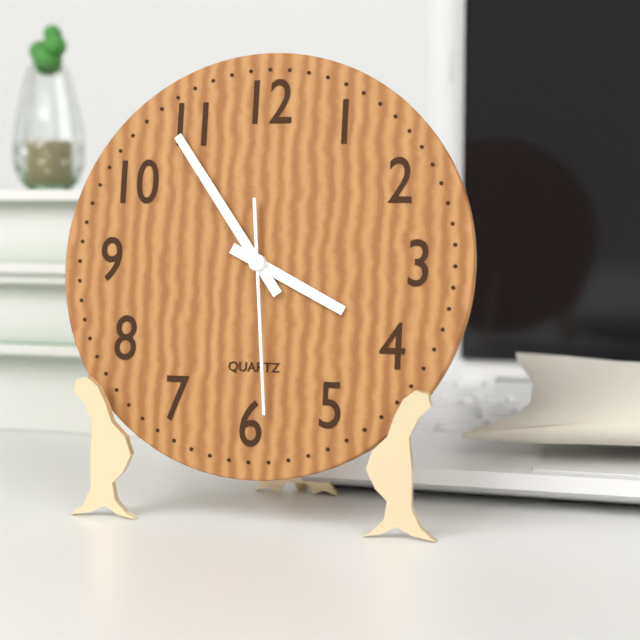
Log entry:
h=3 m=54 s=29
